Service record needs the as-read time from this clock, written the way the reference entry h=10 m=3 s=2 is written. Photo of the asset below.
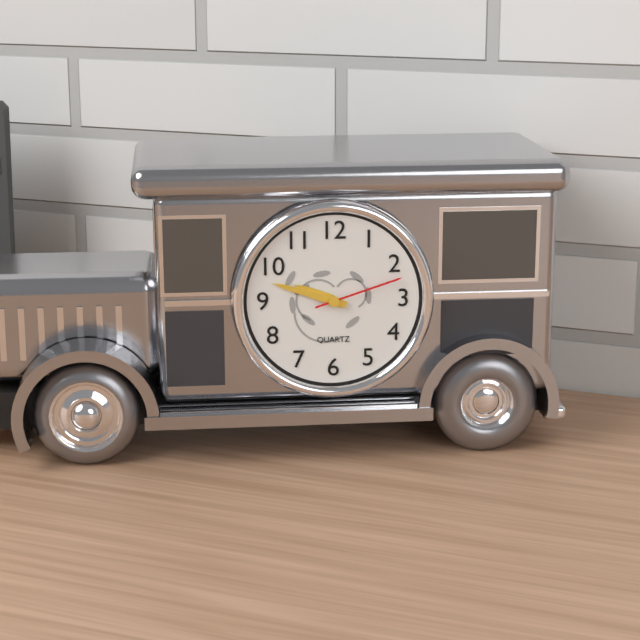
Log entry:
h=9 m=48 s=12
